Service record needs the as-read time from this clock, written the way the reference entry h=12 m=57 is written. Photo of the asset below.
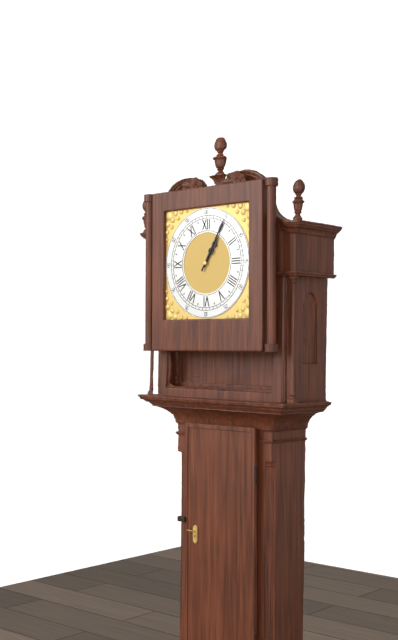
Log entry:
h=1 m=5
